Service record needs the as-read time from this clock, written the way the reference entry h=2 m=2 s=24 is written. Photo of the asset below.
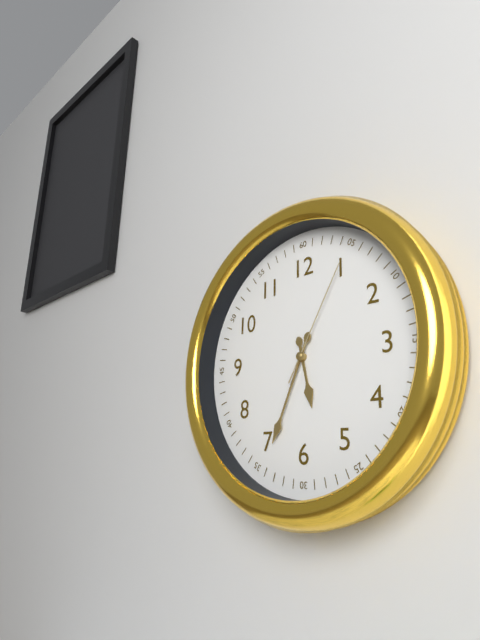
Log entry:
h=5 m=34 s=5
